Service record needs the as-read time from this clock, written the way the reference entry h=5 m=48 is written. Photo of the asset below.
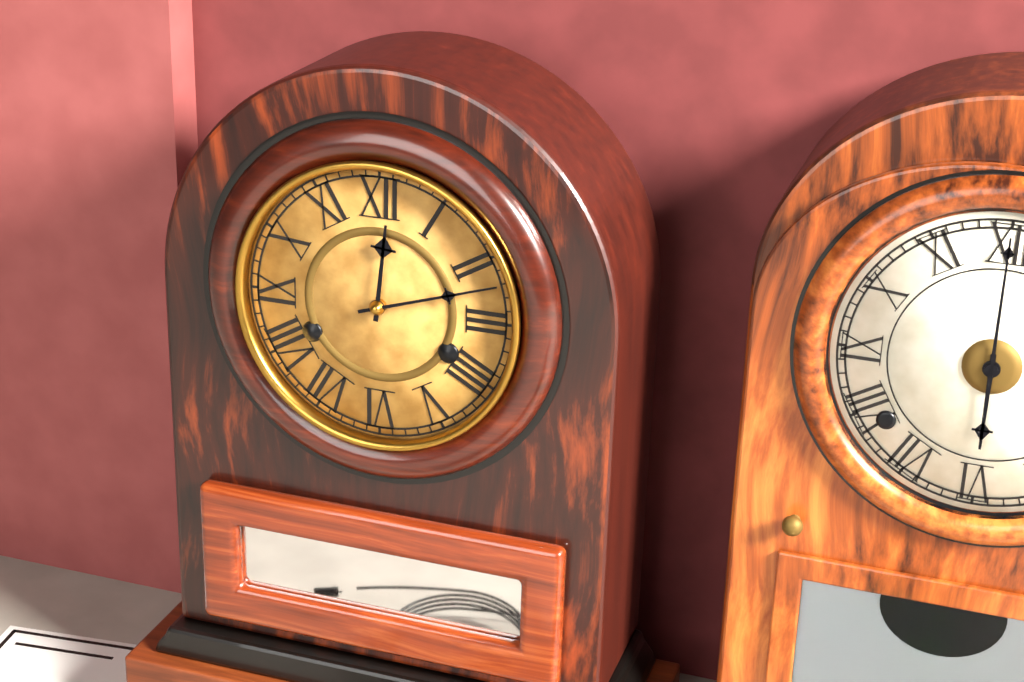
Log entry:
h=12 m=12
